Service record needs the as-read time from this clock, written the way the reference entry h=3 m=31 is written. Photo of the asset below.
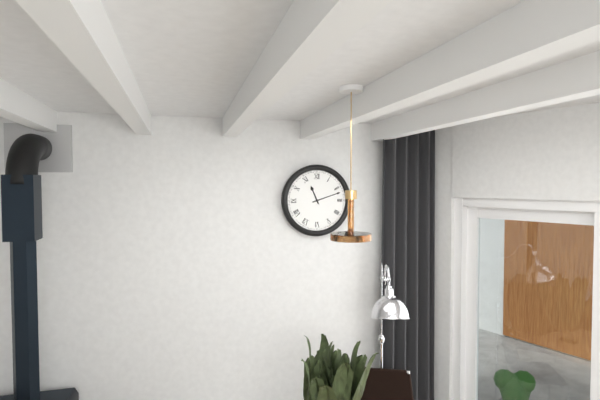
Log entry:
h=11 m=12
